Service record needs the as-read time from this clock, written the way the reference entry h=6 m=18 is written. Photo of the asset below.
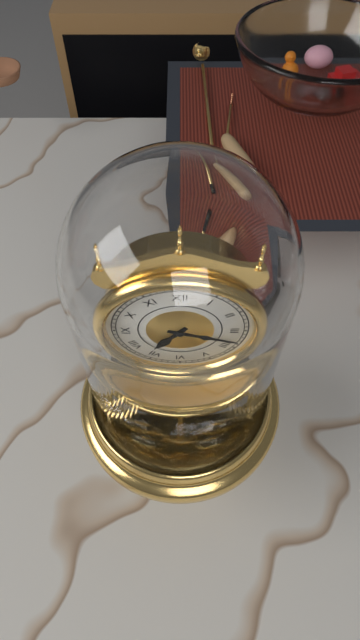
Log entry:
h=7 m=18
